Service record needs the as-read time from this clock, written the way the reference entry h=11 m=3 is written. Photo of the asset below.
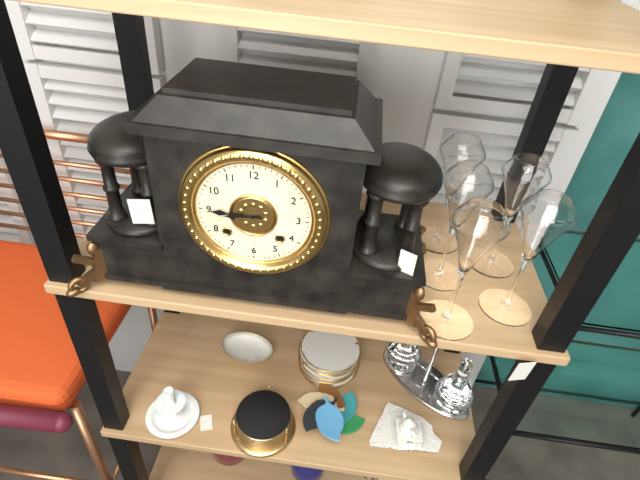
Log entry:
h=8 m=45
